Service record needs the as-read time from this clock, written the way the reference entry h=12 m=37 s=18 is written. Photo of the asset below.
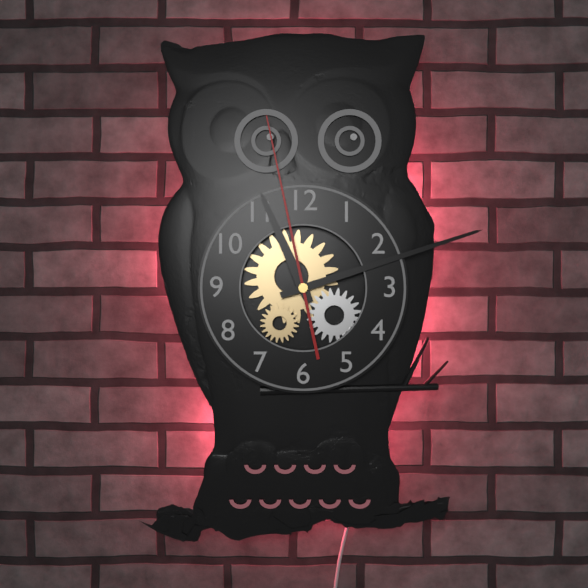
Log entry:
h=11 m=12 s=58
